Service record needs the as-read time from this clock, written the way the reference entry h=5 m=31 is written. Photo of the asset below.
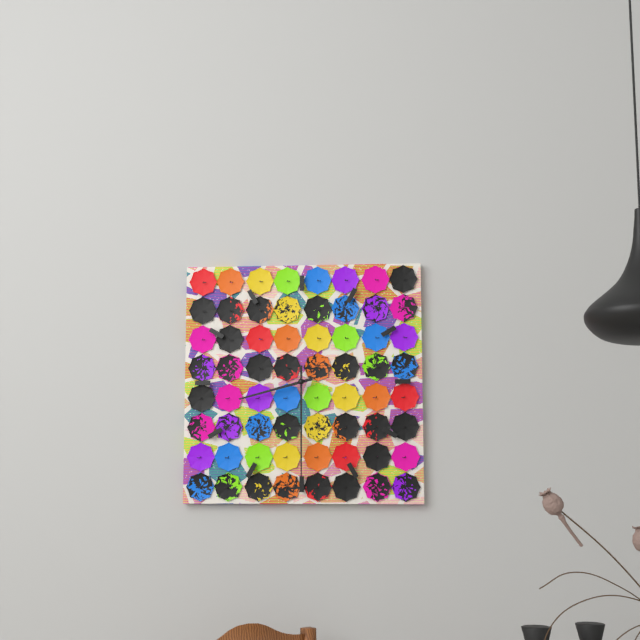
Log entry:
h=8 m=30
